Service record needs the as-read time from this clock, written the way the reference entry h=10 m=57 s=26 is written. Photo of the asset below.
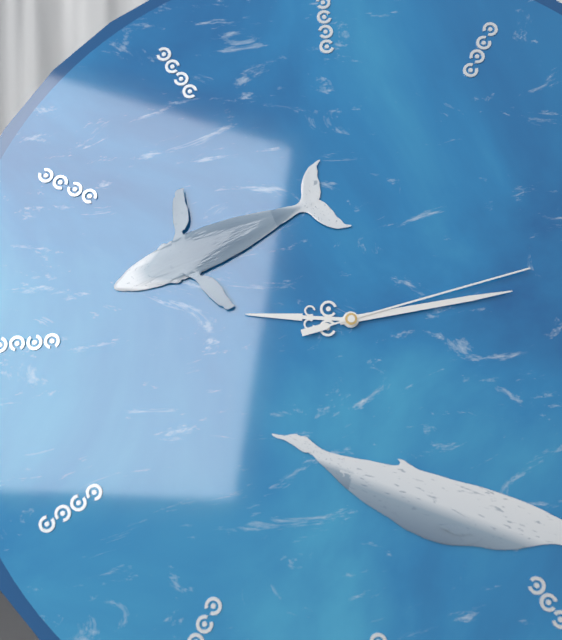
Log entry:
h=9 m=14 s=13
